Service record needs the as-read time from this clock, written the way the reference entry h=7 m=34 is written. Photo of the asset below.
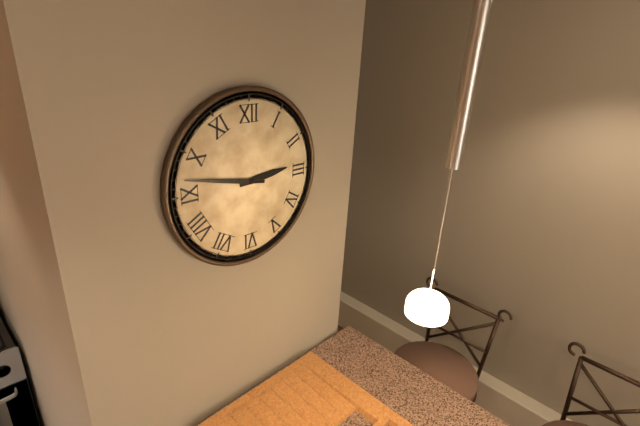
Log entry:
h=2 m=47
